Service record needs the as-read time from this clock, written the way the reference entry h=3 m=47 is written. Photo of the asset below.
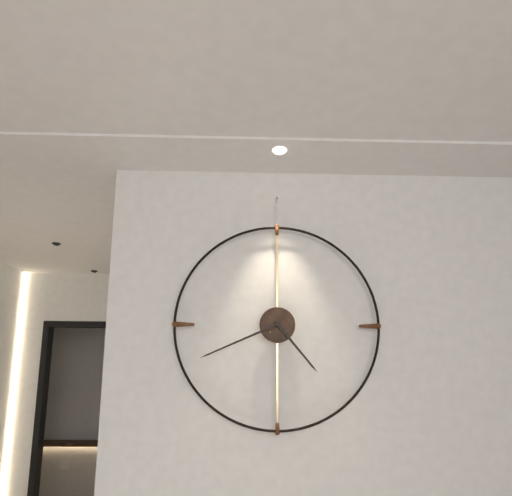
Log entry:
h=4 m=41
